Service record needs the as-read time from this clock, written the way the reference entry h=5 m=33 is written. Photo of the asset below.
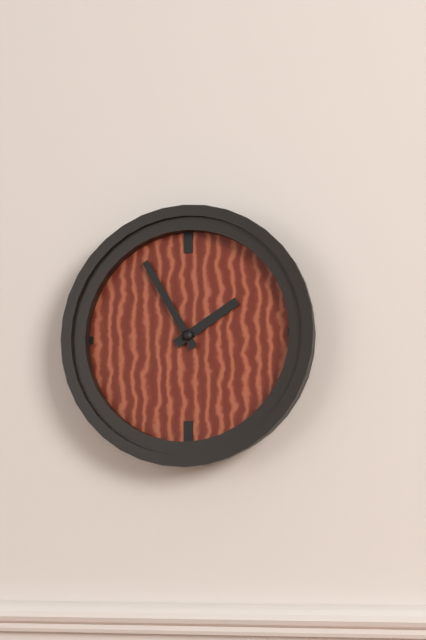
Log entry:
h=1 m=55
